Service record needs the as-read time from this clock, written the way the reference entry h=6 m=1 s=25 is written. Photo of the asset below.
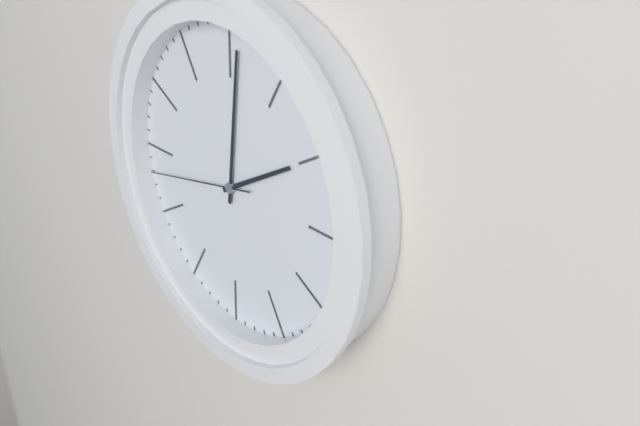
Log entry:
h=2 m=1 s=43
